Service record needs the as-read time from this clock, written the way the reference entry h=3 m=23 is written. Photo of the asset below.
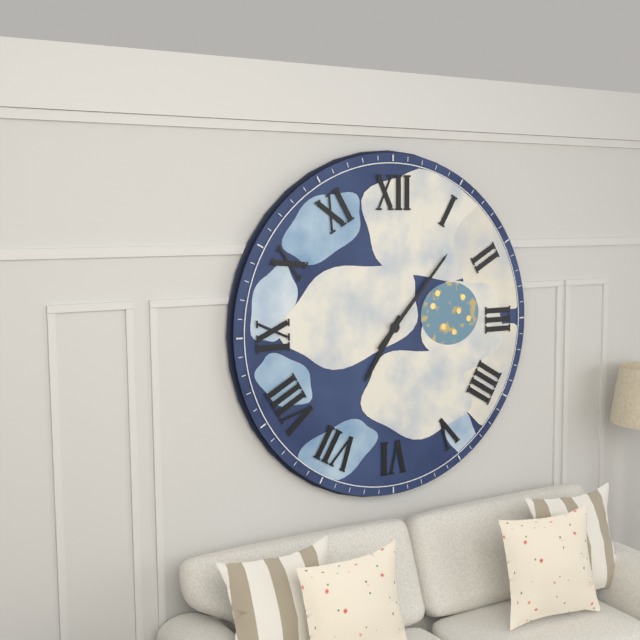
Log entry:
h=7 m=7
